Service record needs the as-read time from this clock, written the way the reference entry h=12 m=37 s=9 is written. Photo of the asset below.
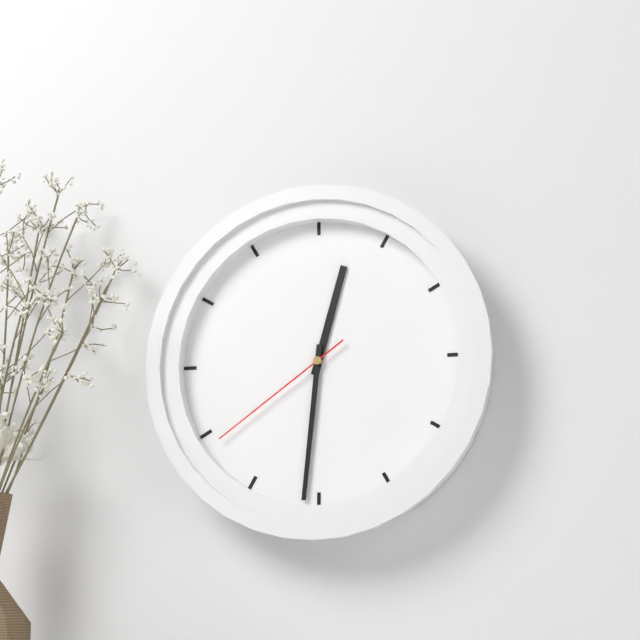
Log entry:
h=12 m=31 s=39
